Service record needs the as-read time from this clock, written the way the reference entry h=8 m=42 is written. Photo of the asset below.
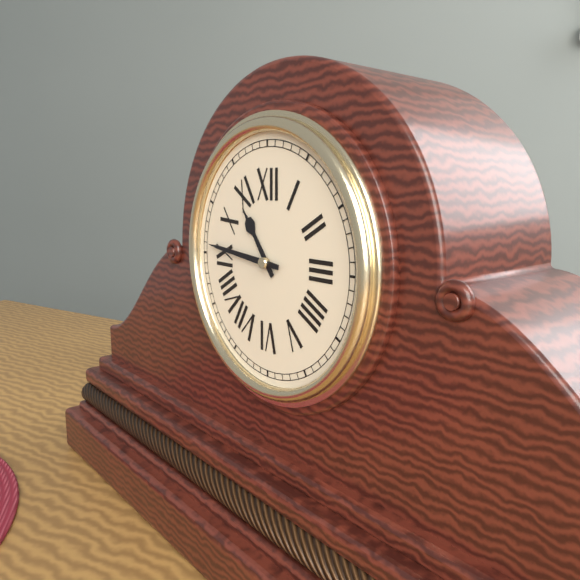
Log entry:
h=10 m=46
